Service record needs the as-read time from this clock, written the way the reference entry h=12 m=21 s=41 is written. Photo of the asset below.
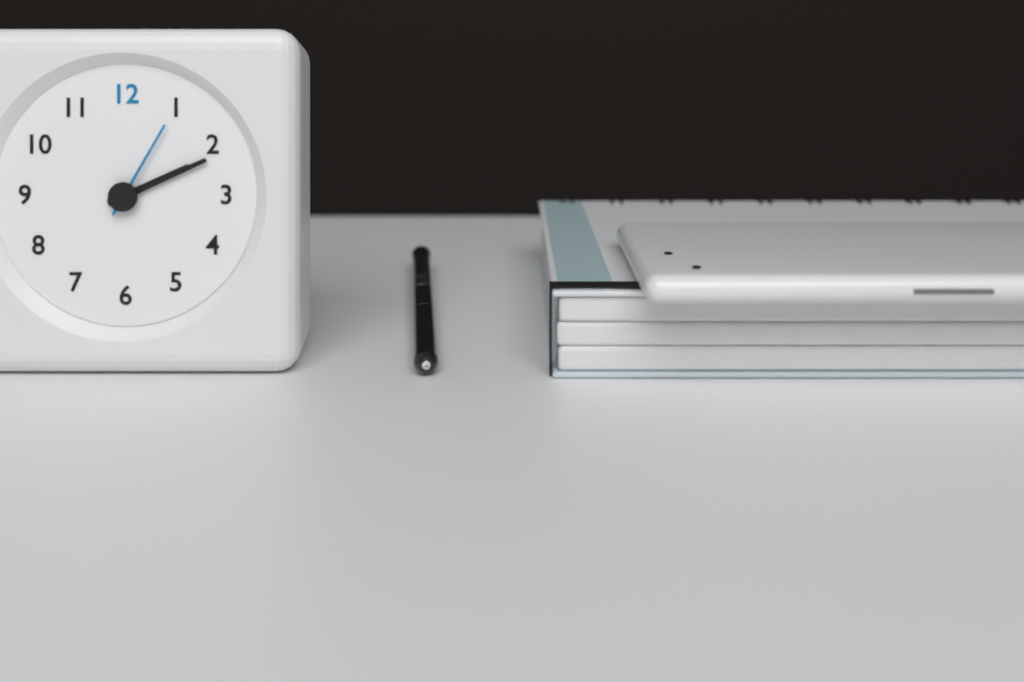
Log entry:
h=2 m=11 s=5
